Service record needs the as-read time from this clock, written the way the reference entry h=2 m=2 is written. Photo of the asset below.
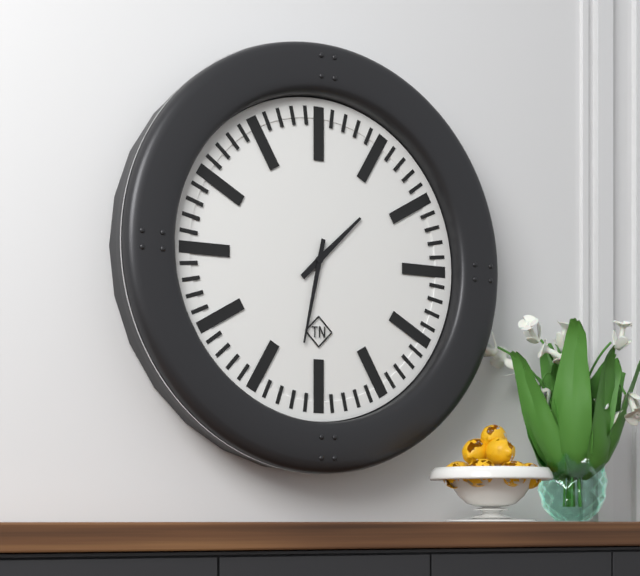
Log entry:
h=1 m=32
